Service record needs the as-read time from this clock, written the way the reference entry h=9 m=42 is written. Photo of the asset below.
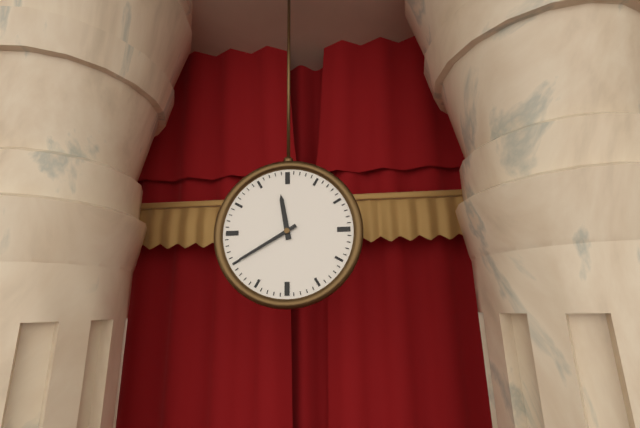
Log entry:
h=11 m=40
